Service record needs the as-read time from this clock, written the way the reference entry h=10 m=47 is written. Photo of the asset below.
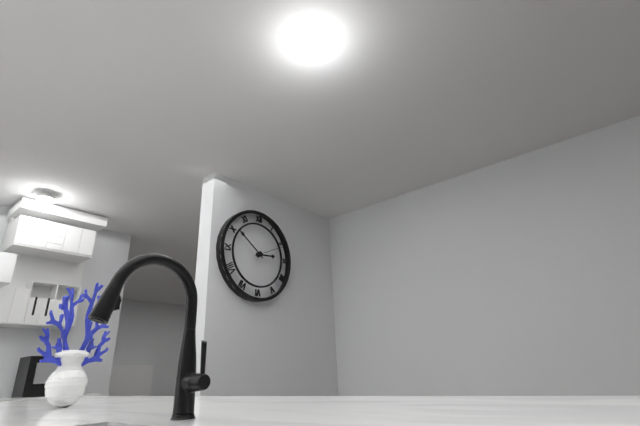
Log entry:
h=2 m=51
